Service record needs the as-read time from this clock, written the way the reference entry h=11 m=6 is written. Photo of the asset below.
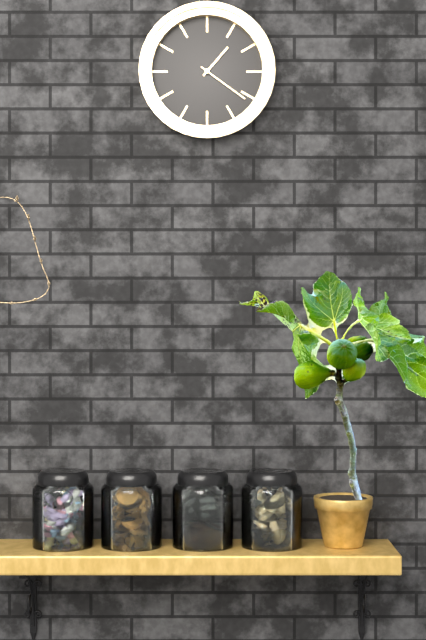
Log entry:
h=1 m=21
